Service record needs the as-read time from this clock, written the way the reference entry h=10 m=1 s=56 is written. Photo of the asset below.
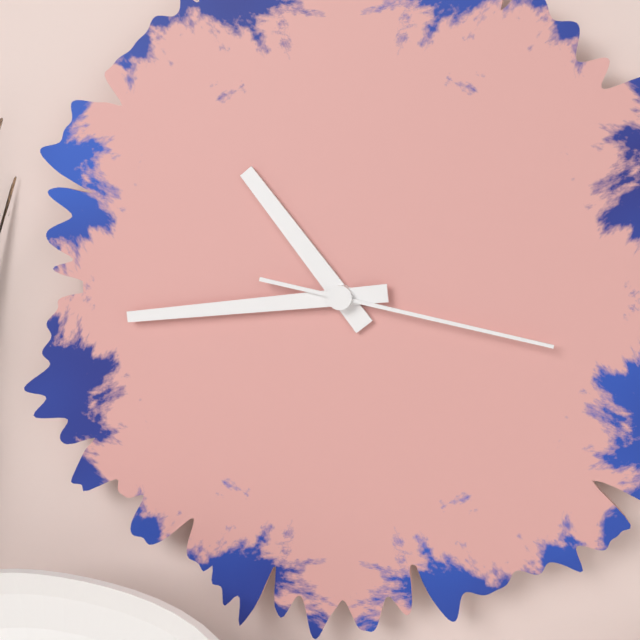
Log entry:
h=10 m=44 s=17
